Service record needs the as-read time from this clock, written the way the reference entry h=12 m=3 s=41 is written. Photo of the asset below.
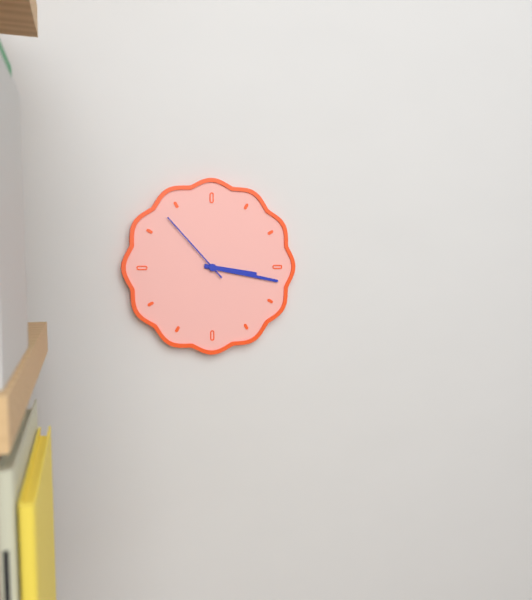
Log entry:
h=3 m=17 s=53
